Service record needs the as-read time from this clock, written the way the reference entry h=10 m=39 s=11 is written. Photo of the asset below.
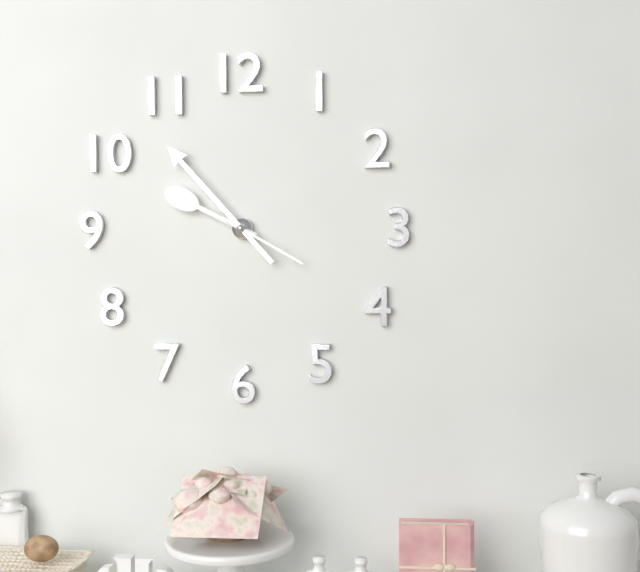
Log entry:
h=9 m=53 s=20
